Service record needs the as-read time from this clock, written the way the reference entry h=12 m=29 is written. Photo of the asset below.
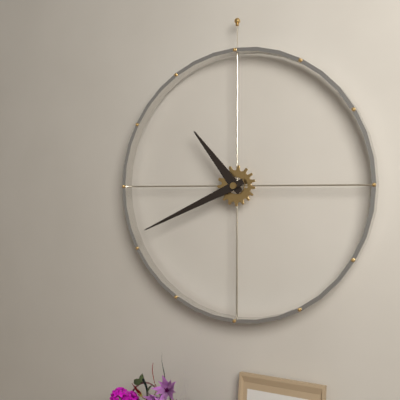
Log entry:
h=10 m=41
